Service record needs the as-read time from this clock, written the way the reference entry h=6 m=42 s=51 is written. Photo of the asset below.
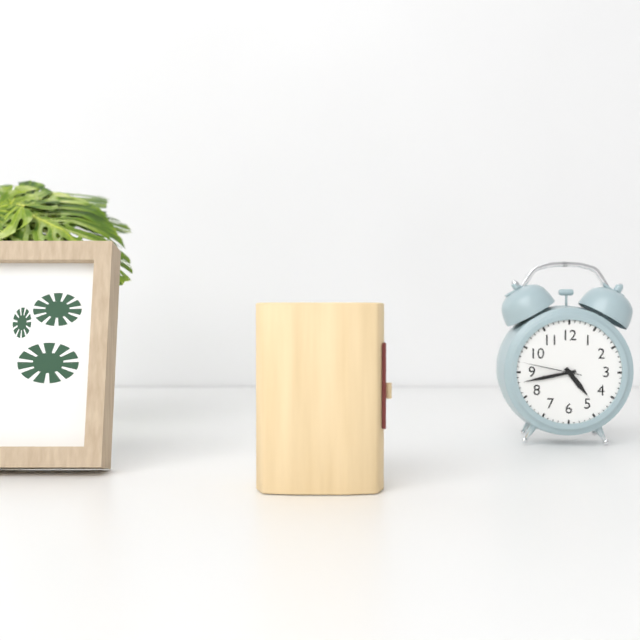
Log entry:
h=4 m=43 s=47
